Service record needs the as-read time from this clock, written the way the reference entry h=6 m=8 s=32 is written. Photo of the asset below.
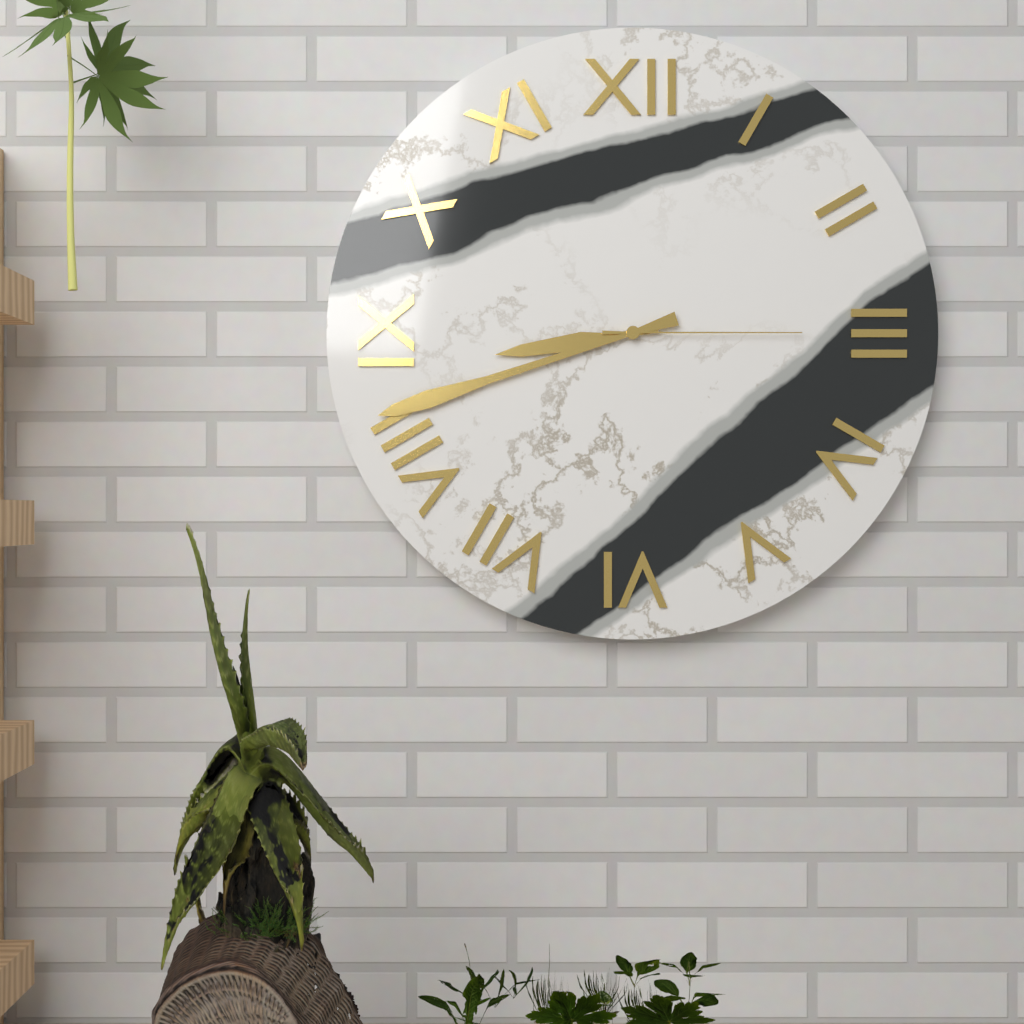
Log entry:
h=8 m=42 s=15
